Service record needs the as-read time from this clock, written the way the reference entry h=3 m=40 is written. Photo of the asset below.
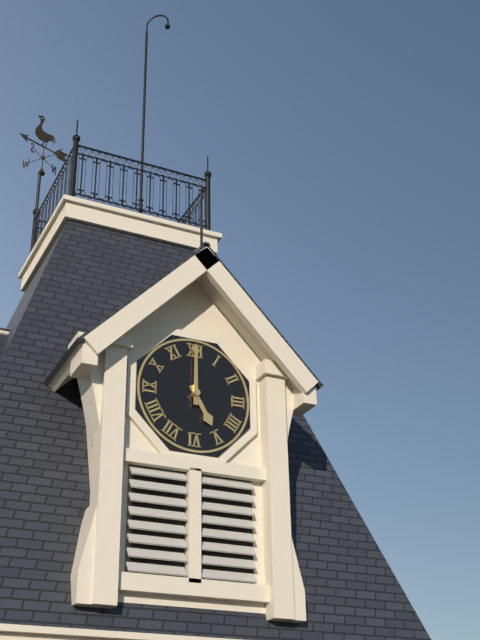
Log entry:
h=5 m=0
